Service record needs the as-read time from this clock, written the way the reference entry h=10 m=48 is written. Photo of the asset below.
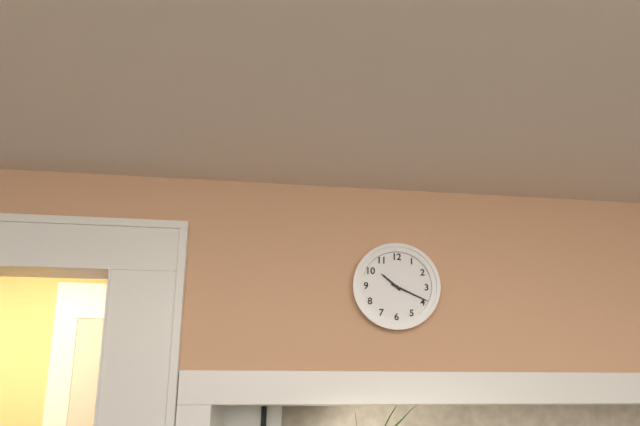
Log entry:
h=10 m=19
